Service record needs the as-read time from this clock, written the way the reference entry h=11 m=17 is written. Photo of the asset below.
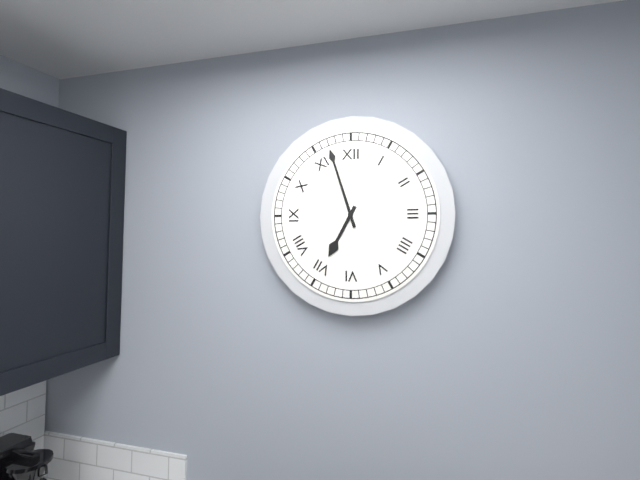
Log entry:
h=6 m=57
